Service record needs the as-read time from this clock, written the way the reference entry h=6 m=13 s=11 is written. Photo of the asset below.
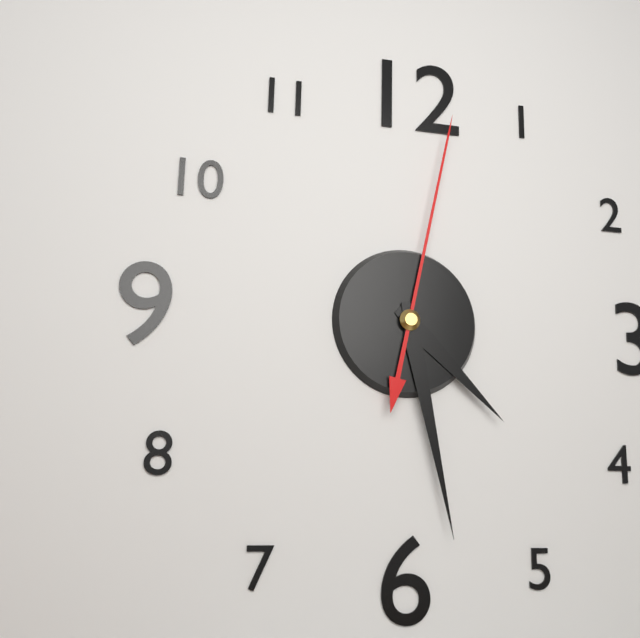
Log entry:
h=4 m=28 s=2
